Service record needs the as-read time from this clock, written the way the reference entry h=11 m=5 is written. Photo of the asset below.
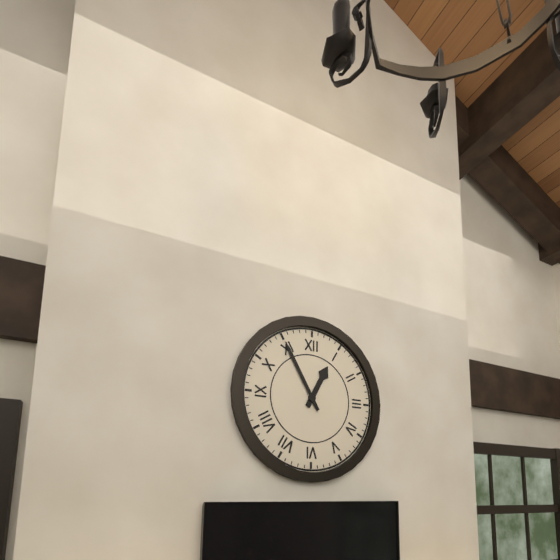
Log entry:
h=12 m=55
